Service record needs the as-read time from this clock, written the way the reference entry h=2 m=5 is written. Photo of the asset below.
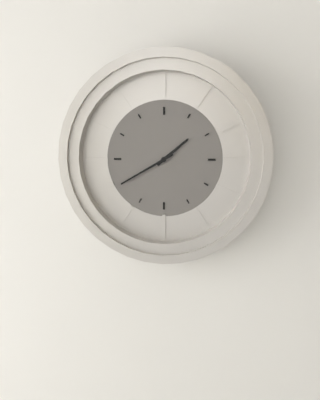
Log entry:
h=1 m=40
